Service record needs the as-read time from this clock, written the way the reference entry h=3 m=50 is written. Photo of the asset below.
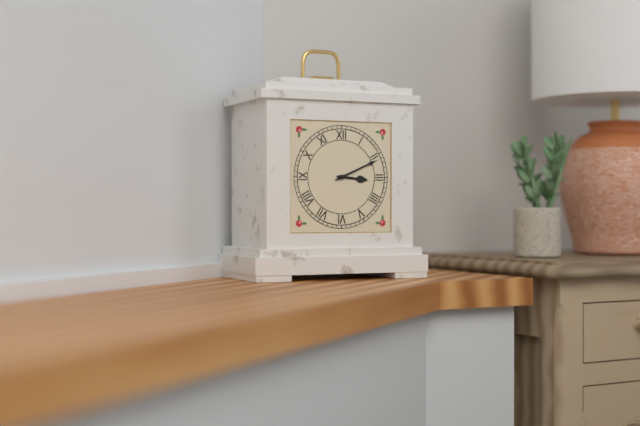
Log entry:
h=3 m=11
